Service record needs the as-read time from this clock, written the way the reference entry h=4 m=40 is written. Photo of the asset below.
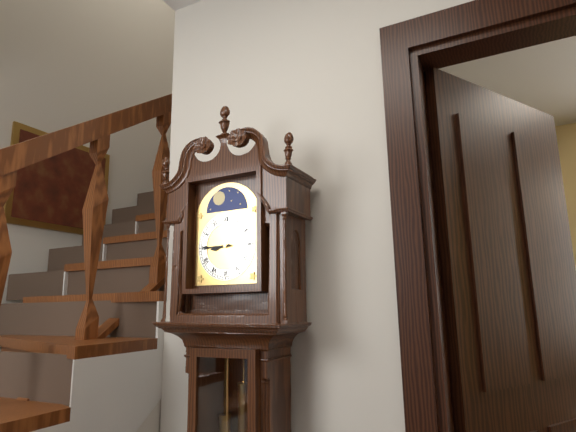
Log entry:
h=8 m=45
